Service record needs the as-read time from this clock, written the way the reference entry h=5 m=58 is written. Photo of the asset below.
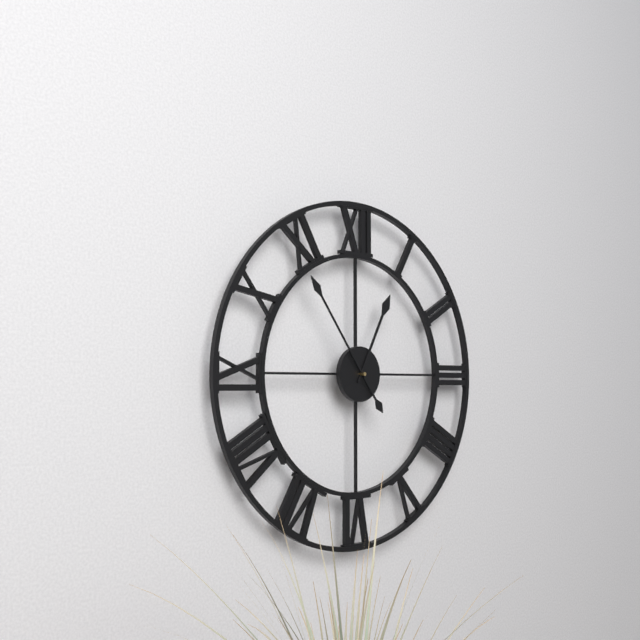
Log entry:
h=12 m=54
